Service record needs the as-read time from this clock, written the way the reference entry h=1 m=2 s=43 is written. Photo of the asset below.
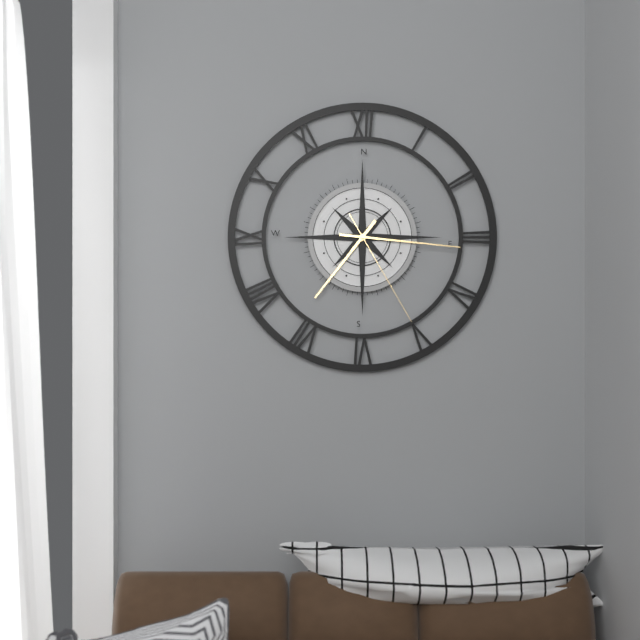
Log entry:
h=7 m=16 s=25
